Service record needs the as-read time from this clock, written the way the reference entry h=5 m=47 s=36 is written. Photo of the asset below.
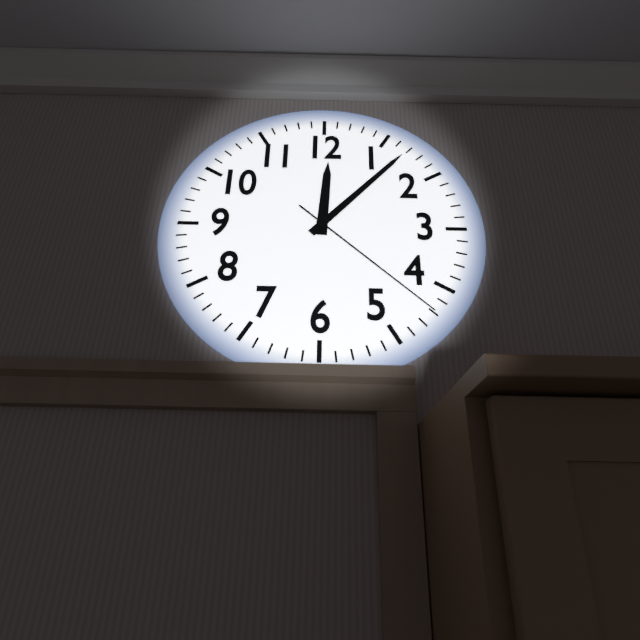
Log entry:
h=12 m=7 s=22
